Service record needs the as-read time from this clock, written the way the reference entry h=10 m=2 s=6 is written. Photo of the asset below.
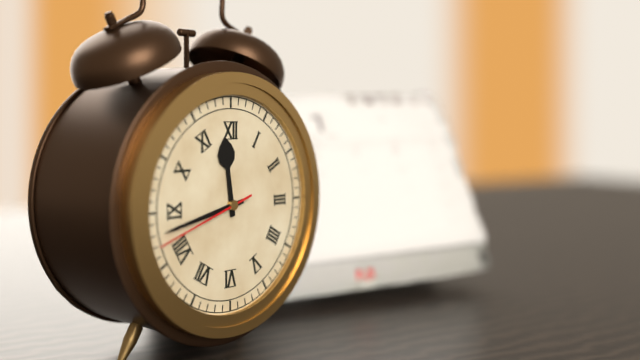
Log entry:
h=11 m=43 s=42
